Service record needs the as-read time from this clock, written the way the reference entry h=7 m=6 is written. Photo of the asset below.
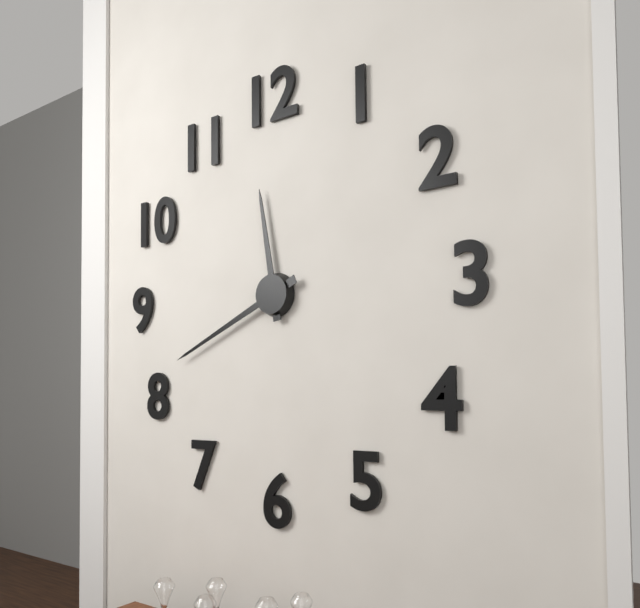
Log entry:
h=11 m=41
